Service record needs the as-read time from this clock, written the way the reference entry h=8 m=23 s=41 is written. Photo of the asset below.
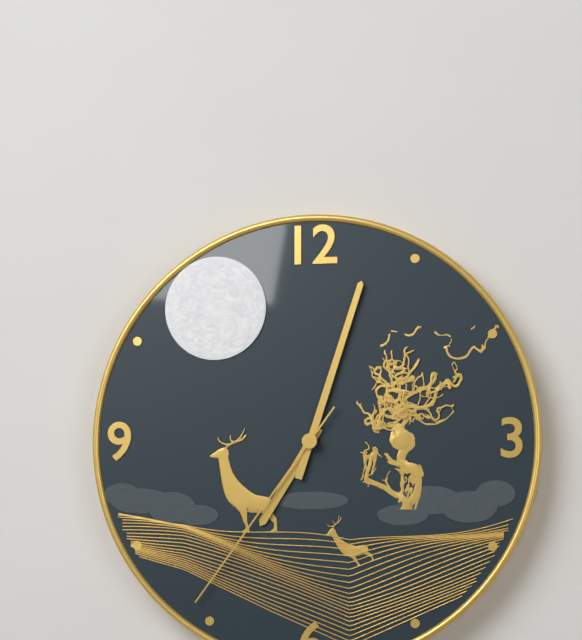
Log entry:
h=7 m=3 s=36
